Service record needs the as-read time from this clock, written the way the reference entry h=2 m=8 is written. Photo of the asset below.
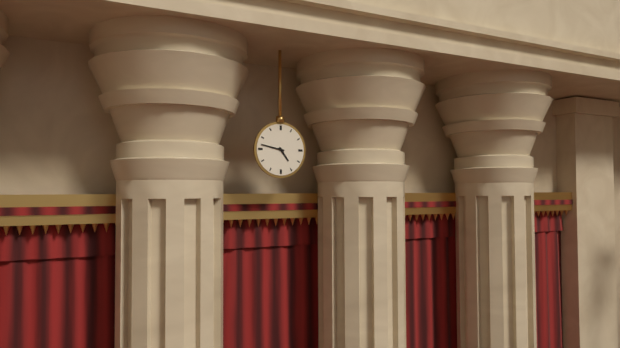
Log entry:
h=4 m=47
